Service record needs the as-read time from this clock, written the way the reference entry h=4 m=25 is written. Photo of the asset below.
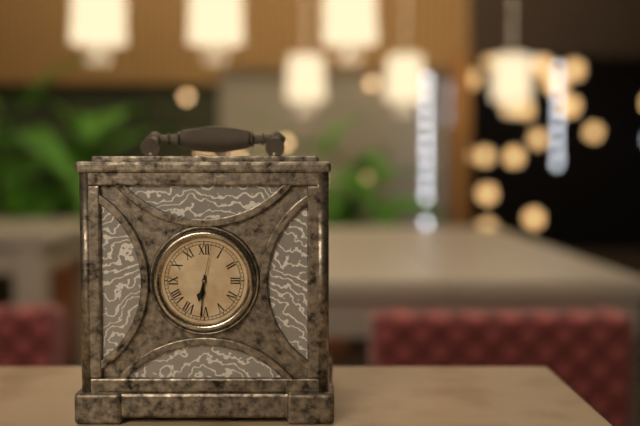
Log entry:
h=6 m=31
